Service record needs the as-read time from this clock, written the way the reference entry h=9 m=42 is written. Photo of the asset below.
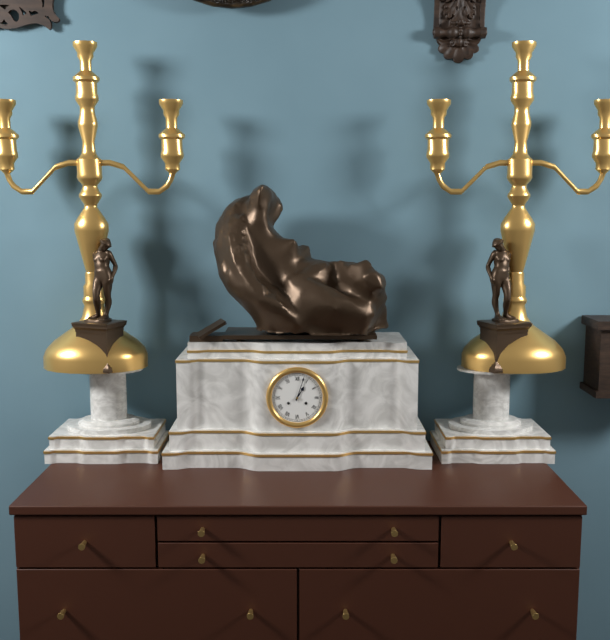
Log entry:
h=1 m=3
